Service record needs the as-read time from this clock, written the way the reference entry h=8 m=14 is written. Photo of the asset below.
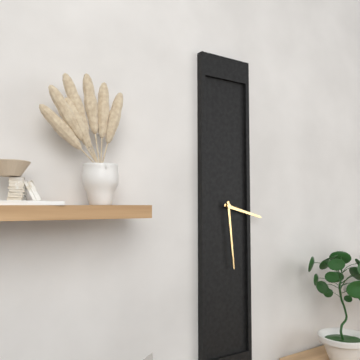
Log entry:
h=3 m=29
